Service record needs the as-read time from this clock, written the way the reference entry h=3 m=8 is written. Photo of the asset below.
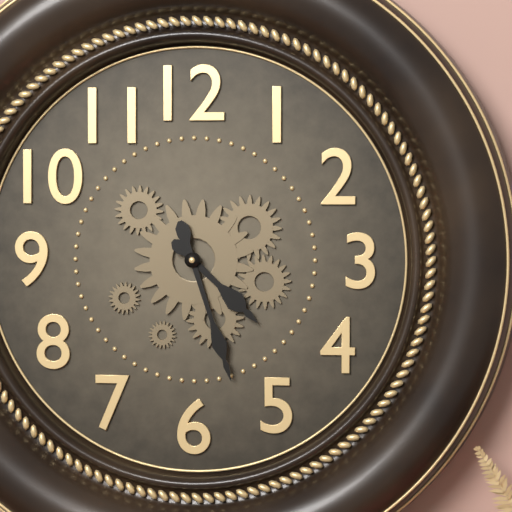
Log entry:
h=4 m=27
